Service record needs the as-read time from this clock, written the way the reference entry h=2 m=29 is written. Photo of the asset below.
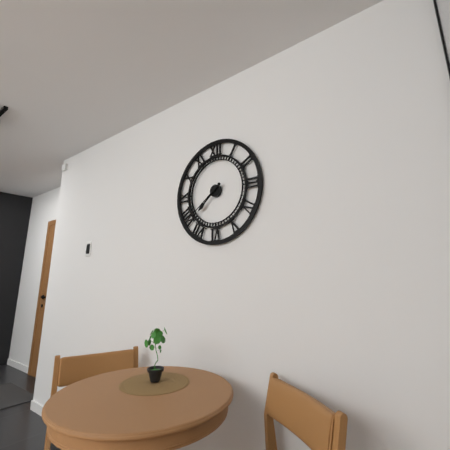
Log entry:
h=7 m=39
